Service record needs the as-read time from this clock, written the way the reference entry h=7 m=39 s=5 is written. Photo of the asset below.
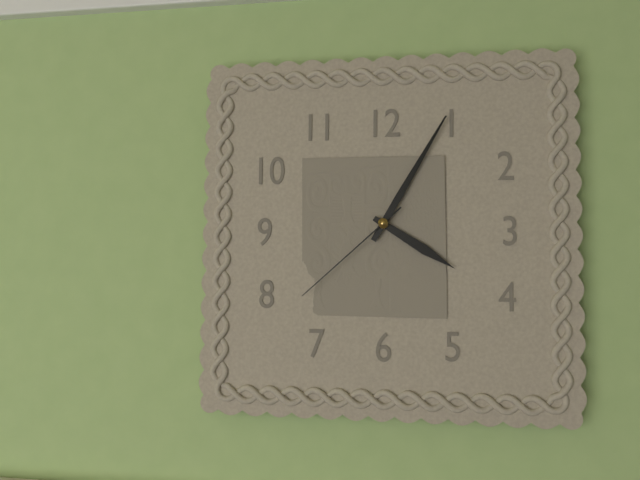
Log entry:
h=4 m=5 s=38
